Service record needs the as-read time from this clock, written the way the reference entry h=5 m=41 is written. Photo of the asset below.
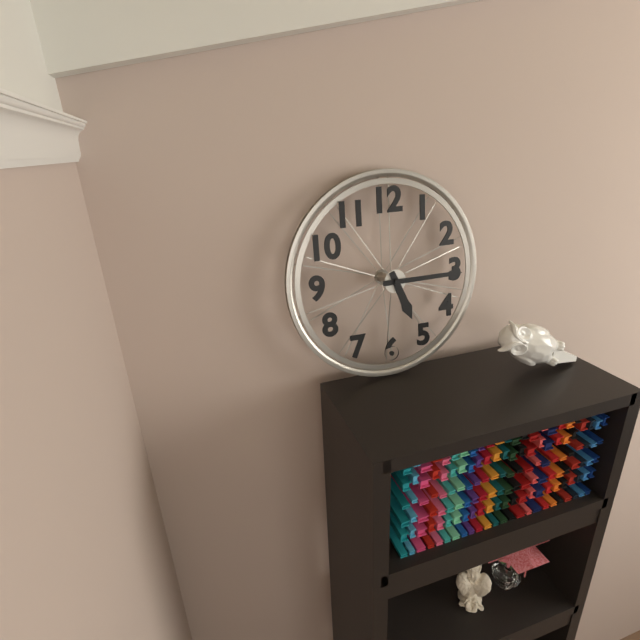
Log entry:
h=5 m=15
